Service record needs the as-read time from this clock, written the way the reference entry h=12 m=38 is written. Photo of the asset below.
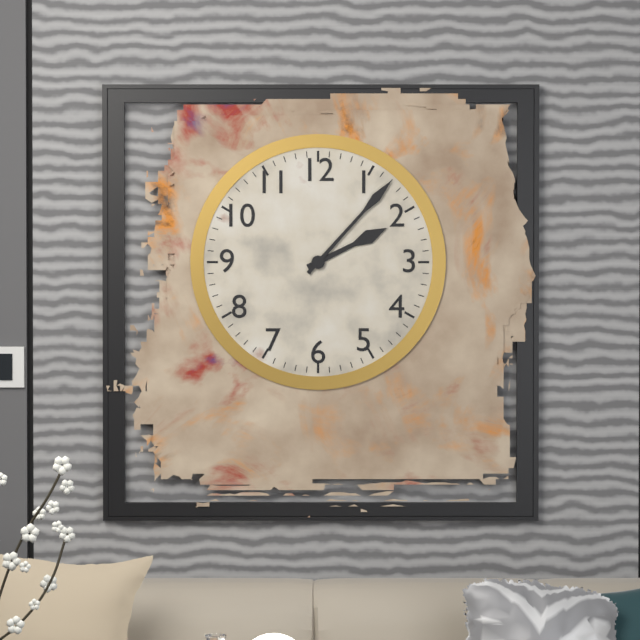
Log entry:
h=2 m=7
